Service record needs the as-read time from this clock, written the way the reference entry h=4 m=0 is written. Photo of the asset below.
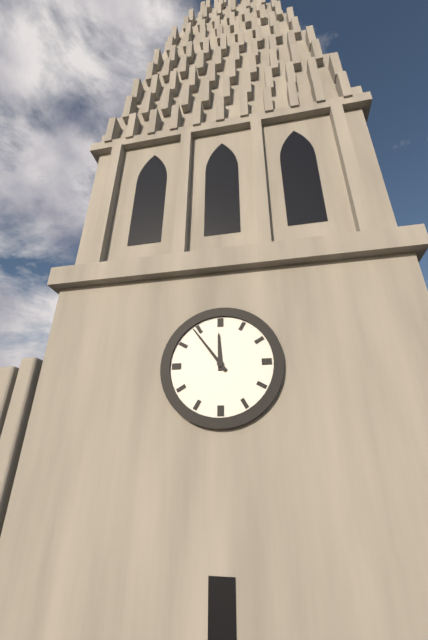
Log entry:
h=11 m=54
